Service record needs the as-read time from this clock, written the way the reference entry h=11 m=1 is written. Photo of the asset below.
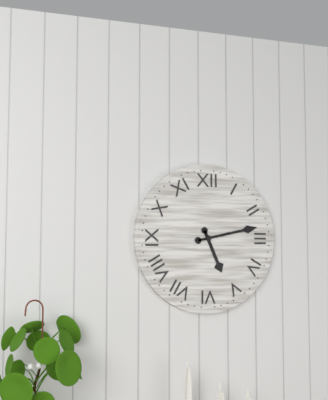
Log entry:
h=5 m=13
